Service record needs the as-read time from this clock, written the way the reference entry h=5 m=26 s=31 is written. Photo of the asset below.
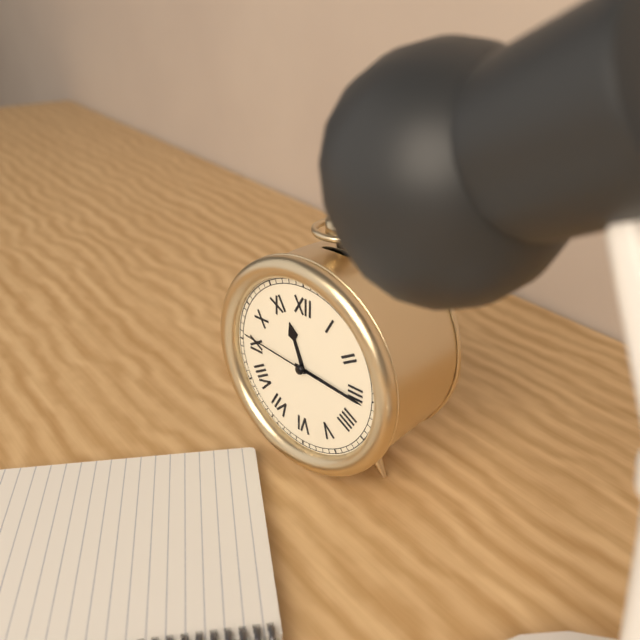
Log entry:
h=11 m=16 s=46
